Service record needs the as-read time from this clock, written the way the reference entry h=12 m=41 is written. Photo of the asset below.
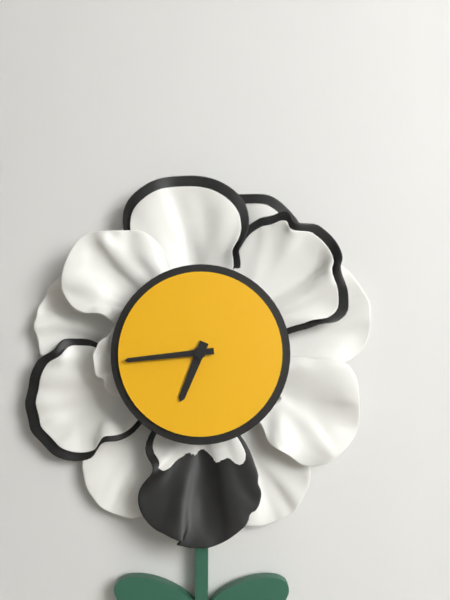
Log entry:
h=6 m=44
